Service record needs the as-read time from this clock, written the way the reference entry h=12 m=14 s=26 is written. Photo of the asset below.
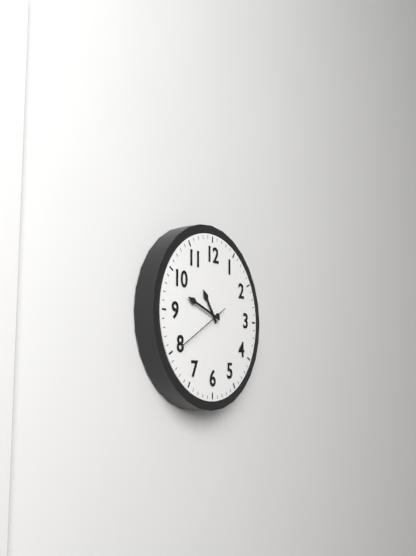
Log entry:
h=10 m=48 s=40
